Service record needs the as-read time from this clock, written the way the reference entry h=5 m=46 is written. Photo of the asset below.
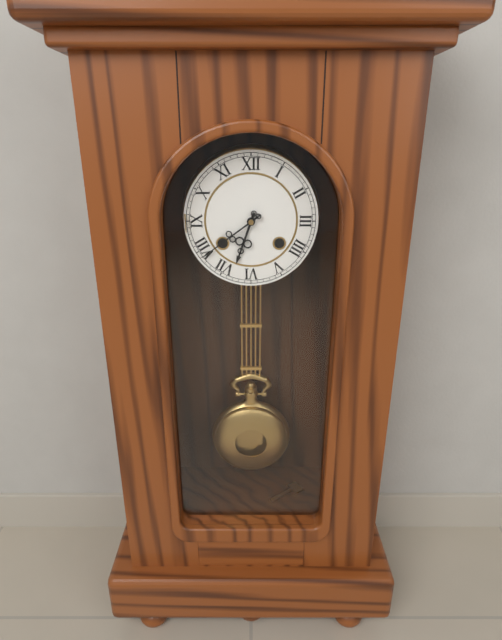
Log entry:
h=6 m=39
